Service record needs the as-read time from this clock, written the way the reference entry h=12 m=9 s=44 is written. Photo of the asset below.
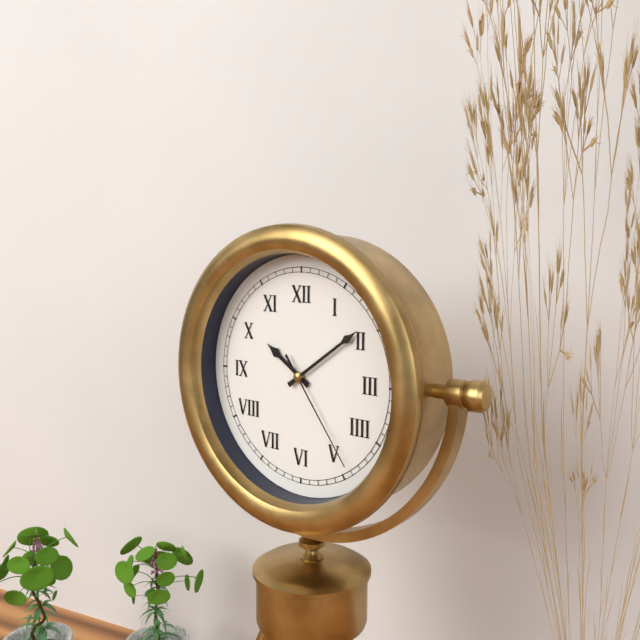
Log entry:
h=10 m=9 s=24
